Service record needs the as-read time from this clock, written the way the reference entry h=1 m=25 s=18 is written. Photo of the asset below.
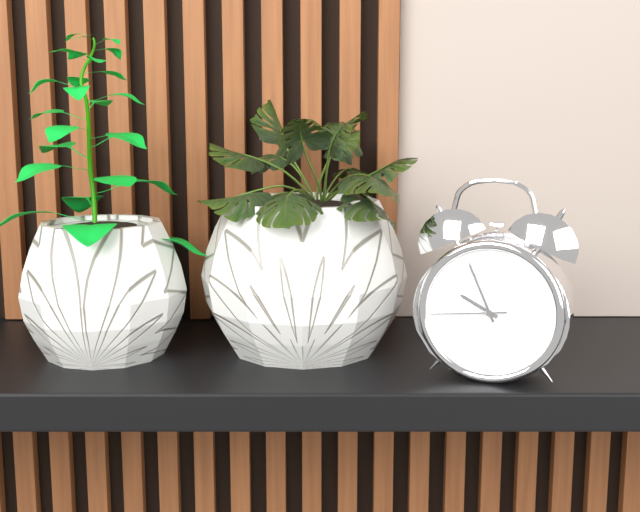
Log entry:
h=9 m=56 s=44
